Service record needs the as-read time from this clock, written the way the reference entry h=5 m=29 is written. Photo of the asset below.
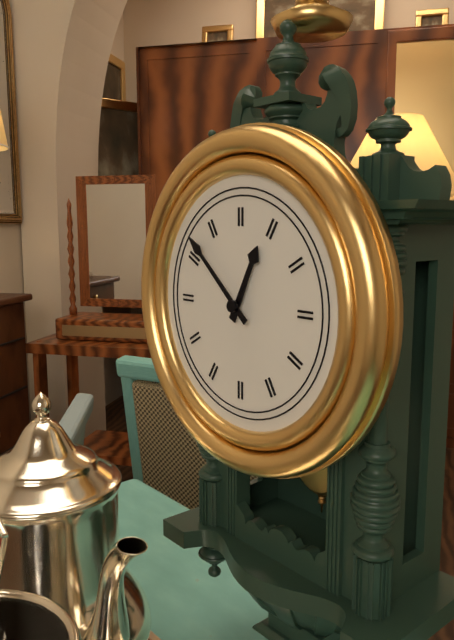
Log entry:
h=12 m=52
